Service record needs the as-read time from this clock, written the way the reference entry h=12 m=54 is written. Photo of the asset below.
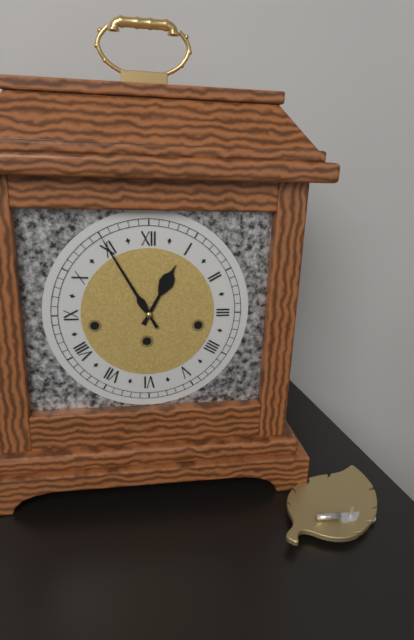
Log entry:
h=12 m=55
